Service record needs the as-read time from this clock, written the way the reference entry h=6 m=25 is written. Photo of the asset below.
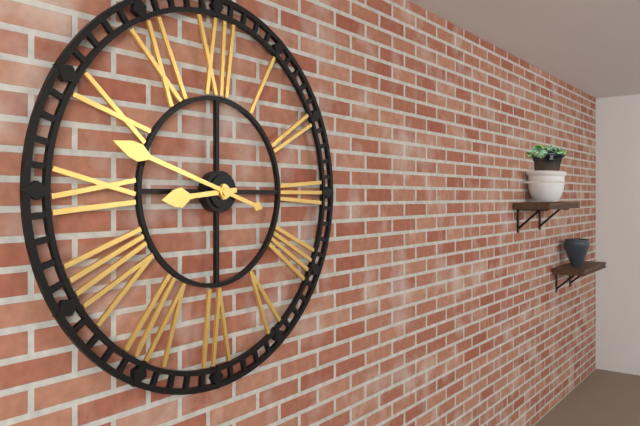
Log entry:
h=8 m=48
